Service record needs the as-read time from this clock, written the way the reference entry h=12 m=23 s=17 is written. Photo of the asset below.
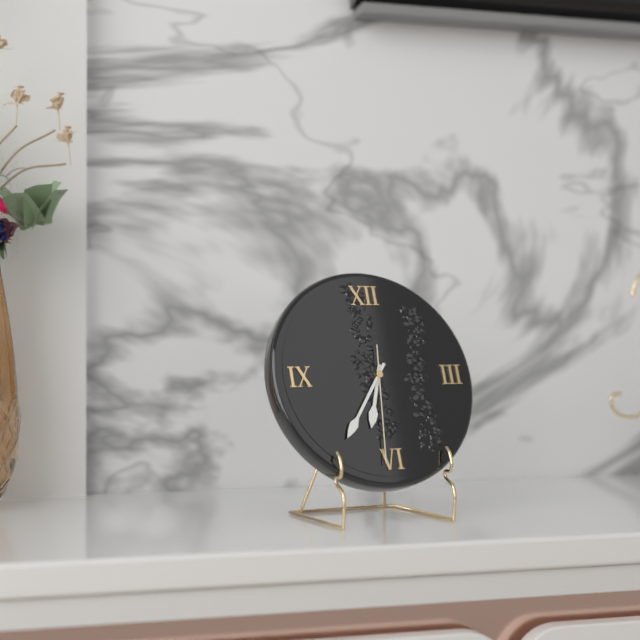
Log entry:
h=6 m=36 s=31
